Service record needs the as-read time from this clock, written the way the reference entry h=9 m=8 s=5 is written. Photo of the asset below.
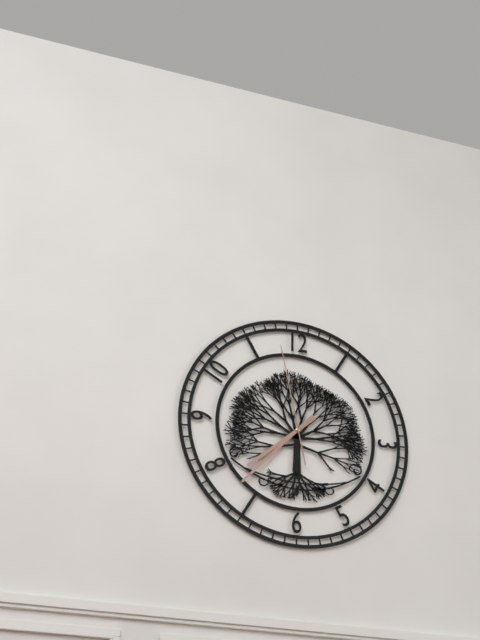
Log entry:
h=7 m=37 s=58
